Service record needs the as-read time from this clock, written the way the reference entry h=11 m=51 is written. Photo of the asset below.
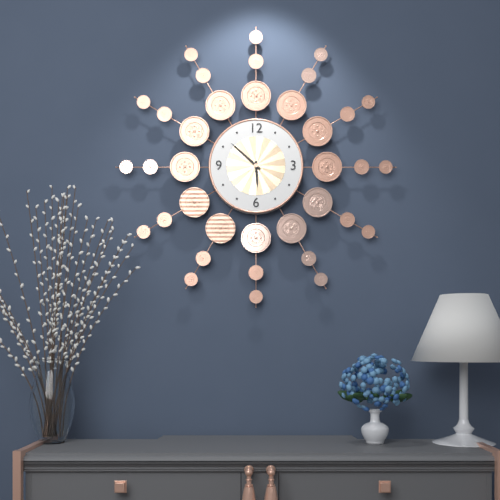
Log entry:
h=5 m=52
